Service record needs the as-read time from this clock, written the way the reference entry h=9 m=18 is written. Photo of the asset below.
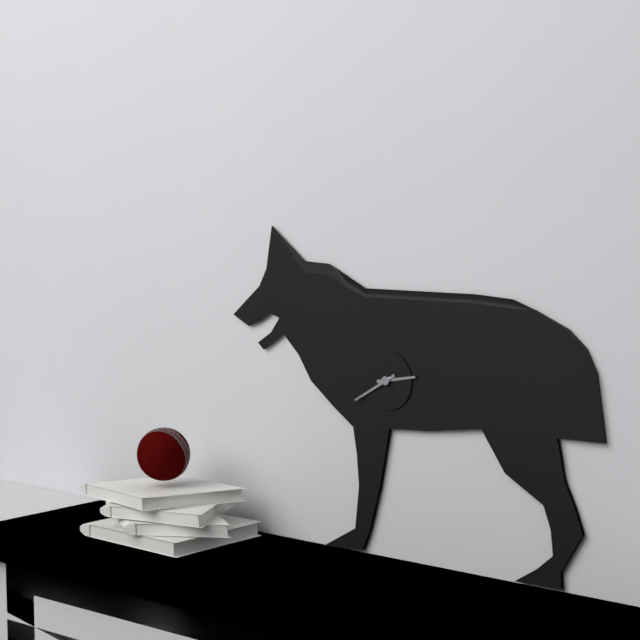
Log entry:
h=2 m=40
